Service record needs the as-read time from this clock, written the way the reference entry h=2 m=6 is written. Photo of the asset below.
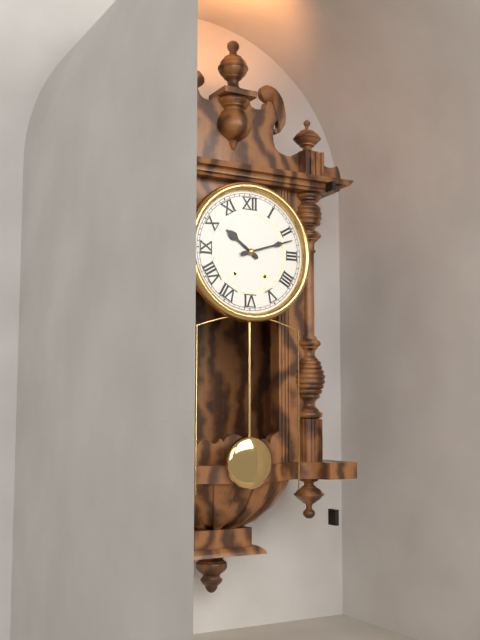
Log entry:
h=10 m=12
